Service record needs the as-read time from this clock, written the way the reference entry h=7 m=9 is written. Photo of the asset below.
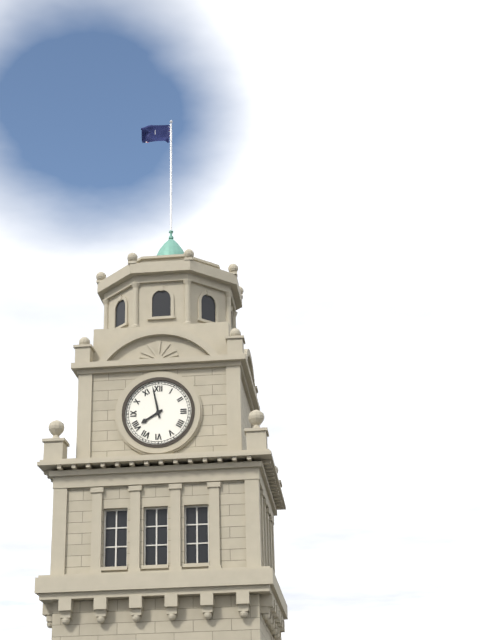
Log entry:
h=7 m=58
